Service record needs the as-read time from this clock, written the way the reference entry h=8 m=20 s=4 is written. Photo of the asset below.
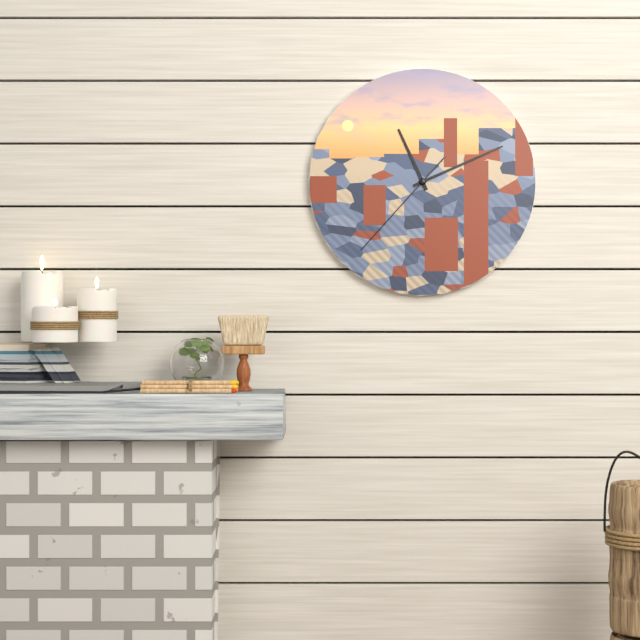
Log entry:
h=11 m=11 s=37
